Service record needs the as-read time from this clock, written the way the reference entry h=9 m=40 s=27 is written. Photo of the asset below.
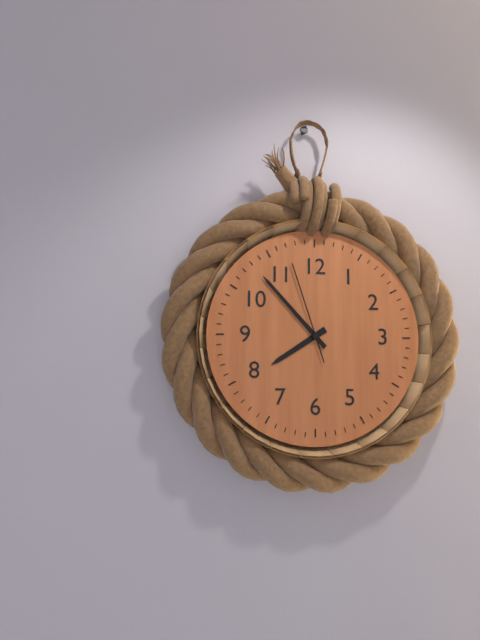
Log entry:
h=7 m=53 s=57
